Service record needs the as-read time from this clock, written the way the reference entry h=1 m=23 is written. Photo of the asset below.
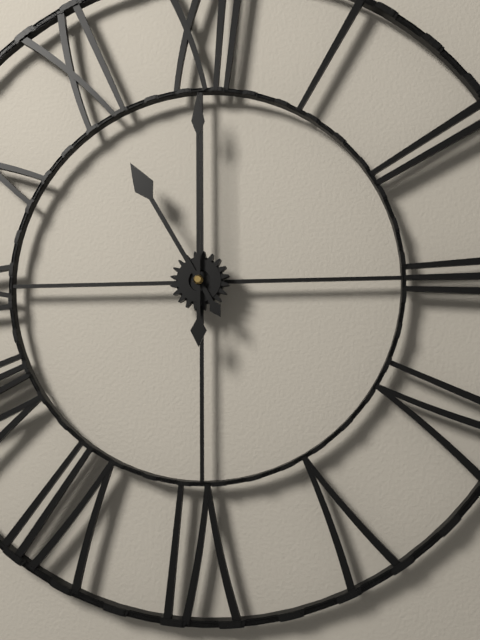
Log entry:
h=11 m=0
